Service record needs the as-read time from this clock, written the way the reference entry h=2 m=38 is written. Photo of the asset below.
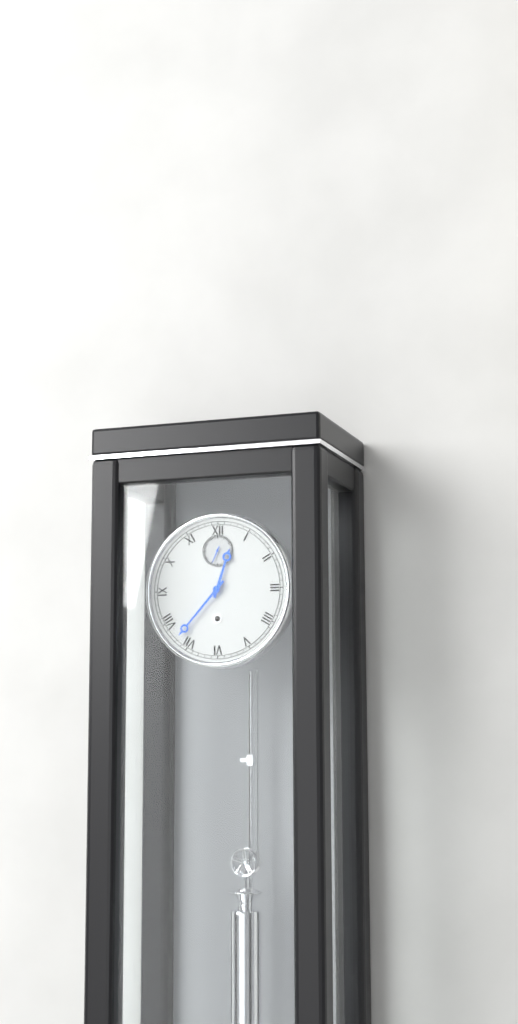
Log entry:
h=12 m=37
